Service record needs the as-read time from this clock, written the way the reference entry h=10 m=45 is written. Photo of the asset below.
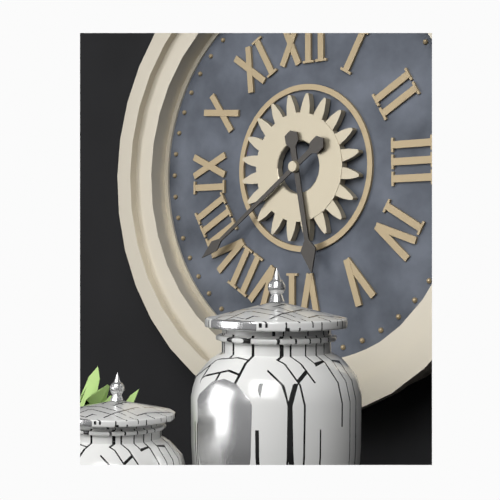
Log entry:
h=5 m=39
